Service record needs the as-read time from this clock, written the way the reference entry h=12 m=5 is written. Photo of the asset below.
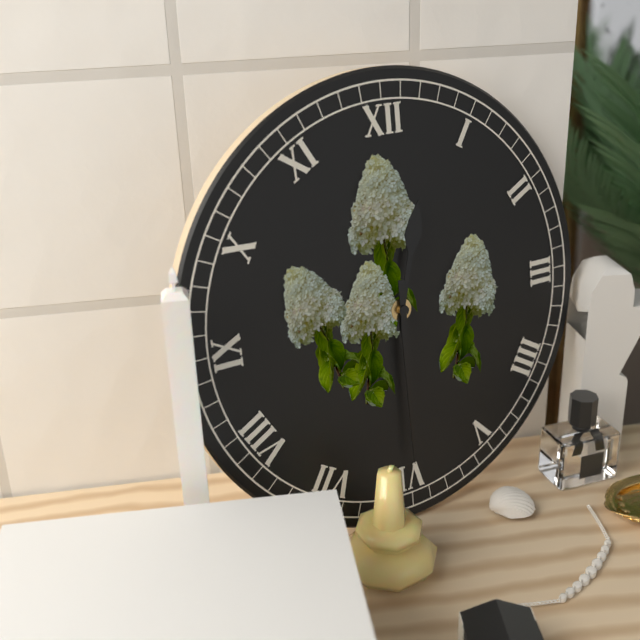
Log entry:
h=12 m=30
